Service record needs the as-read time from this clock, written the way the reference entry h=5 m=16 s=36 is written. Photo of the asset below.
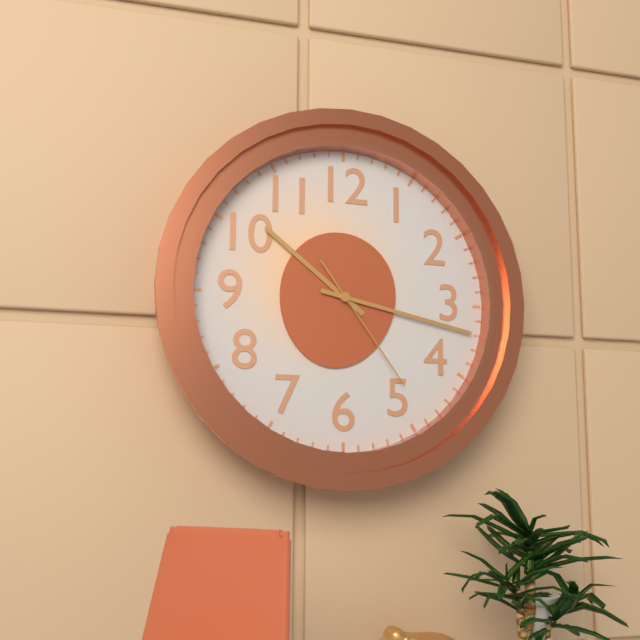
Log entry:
h=10 m=17 s=24
